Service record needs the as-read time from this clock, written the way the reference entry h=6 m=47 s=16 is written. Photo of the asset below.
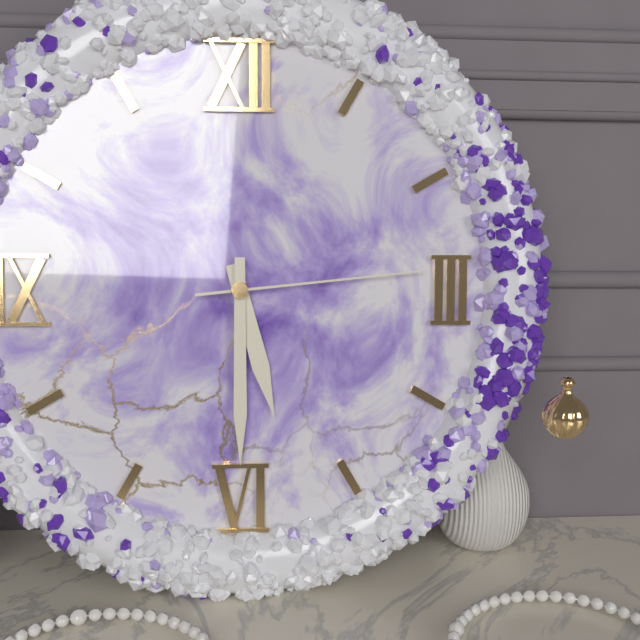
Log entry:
h=5 m=30 s=14
